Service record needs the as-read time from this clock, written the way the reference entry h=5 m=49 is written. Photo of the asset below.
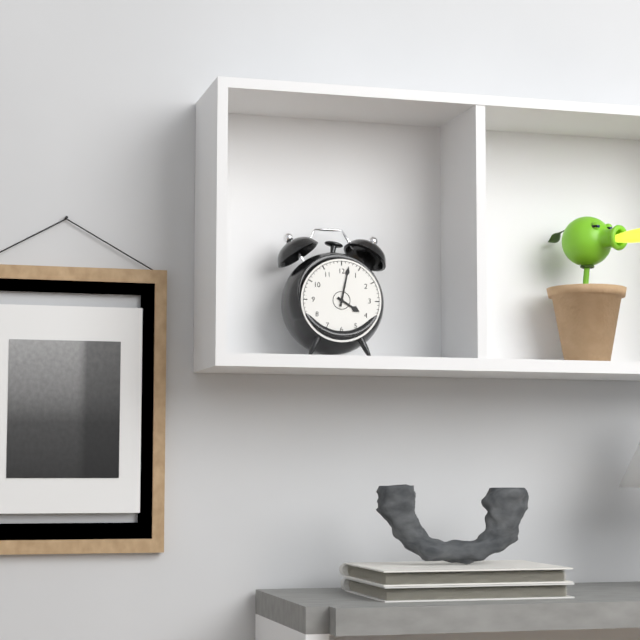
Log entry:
h=4 m=2
